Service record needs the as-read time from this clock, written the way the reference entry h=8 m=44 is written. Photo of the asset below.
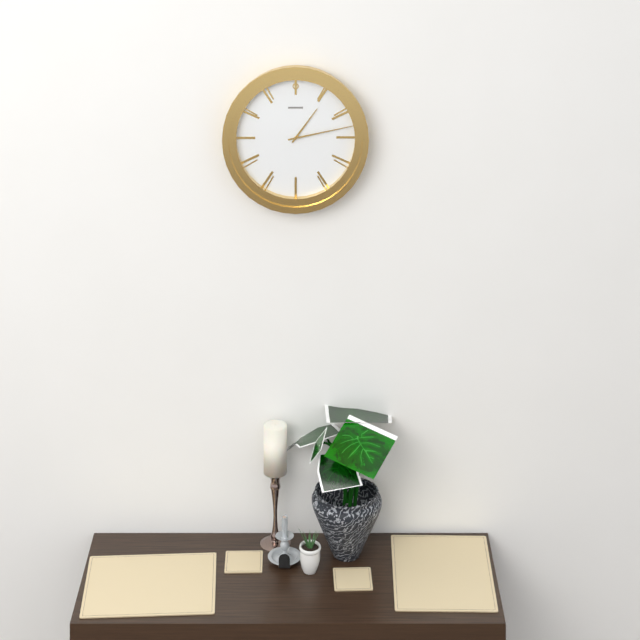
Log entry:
h=1 m=13
